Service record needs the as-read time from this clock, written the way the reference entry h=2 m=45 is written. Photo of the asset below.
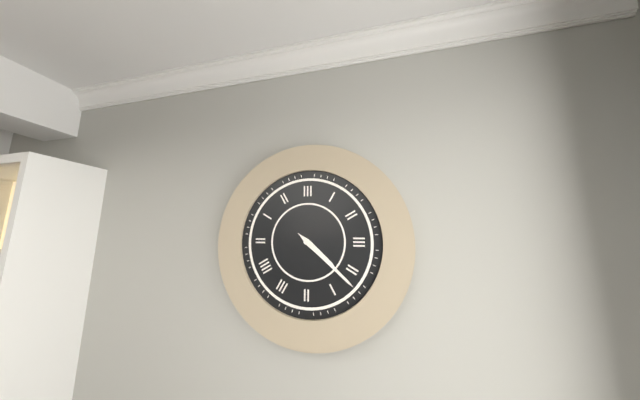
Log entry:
h=4 m=22
